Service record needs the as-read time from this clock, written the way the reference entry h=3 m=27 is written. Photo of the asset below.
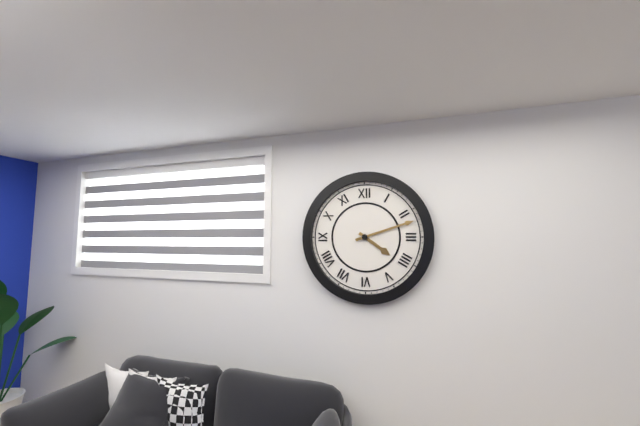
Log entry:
h=4 m=12
